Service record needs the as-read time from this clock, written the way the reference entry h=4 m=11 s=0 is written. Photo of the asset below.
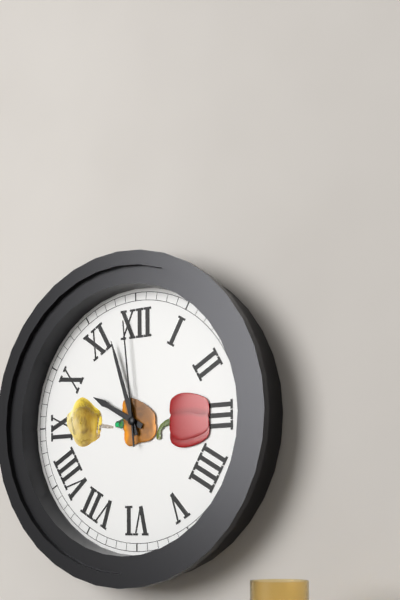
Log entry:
h=9 m=57 s=59
